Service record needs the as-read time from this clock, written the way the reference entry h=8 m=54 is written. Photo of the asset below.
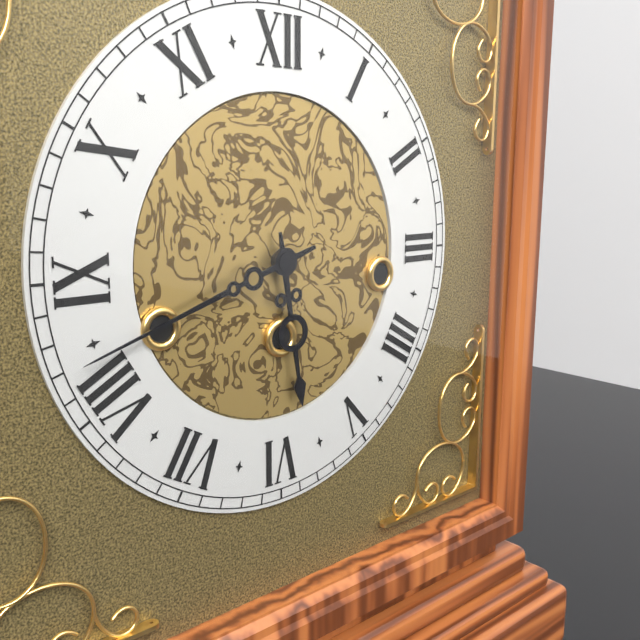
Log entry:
h=5 m=42
